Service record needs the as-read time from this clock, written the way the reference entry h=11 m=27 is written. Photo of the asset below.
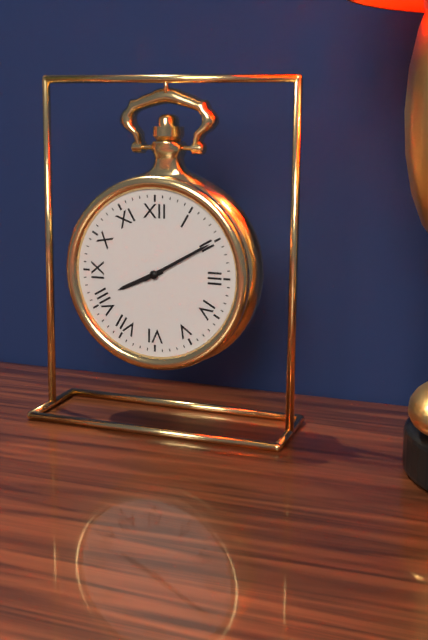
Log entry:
h=8 m=10
